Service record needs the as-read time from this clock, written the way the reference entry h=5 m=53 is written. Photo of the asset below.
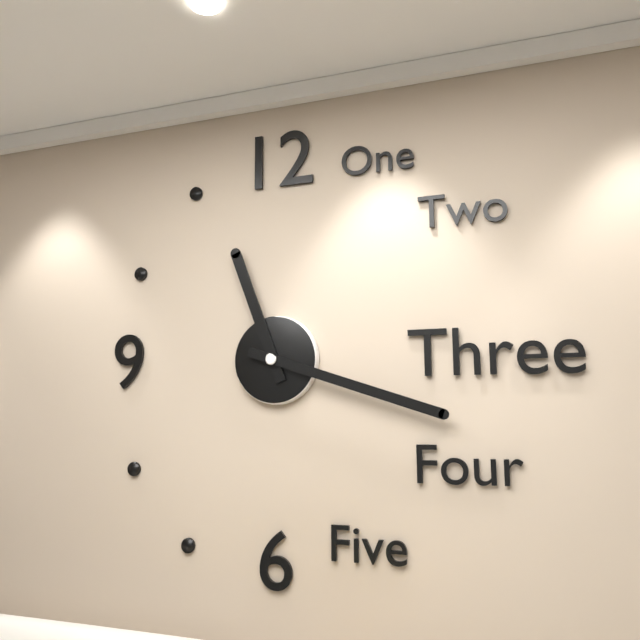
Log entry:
h=11 m=18
